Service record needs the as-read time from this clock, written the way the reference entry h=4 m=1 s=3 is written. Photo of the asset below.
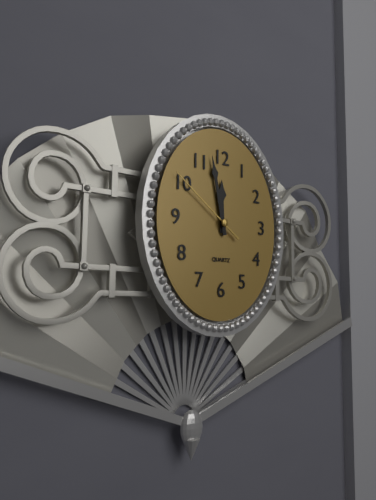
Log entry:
h=11 m=58 s=51
